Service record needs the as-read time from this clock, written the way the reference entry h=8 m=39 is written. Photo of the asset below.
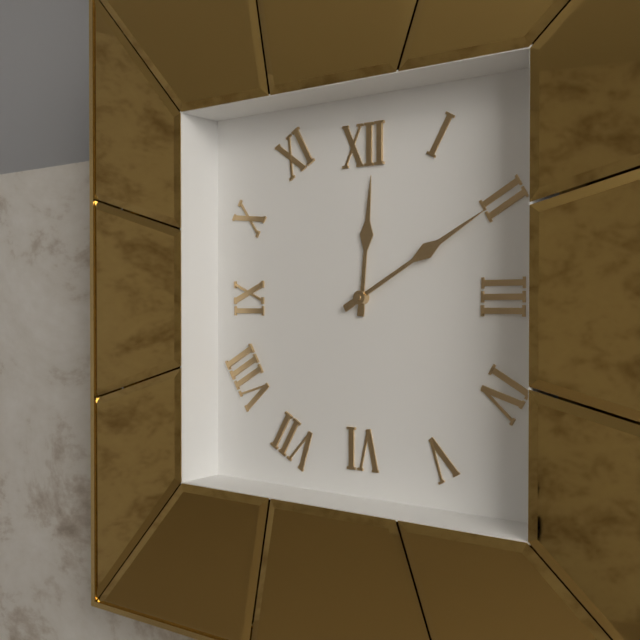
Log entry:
h=12 m=10
